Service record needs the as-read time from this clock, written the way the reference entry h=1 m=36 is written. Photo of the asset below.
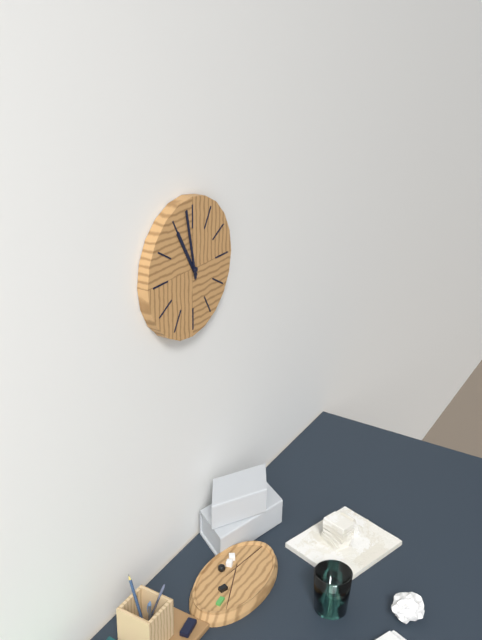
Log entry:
h=10 m=58
